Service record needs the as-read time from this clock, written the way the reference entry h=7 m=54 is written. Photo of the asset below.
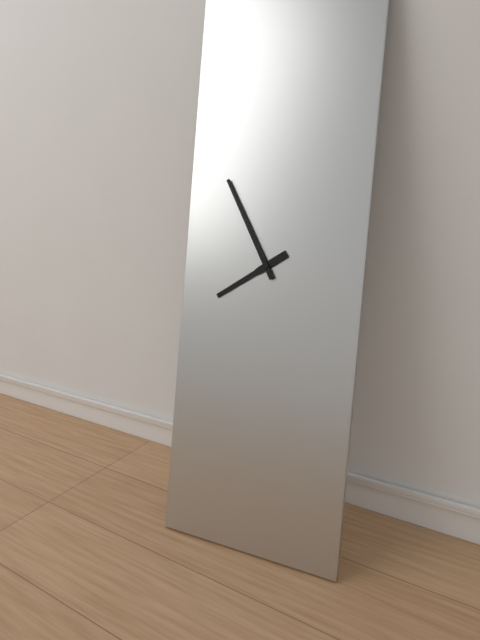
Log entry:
h=7 m=55
